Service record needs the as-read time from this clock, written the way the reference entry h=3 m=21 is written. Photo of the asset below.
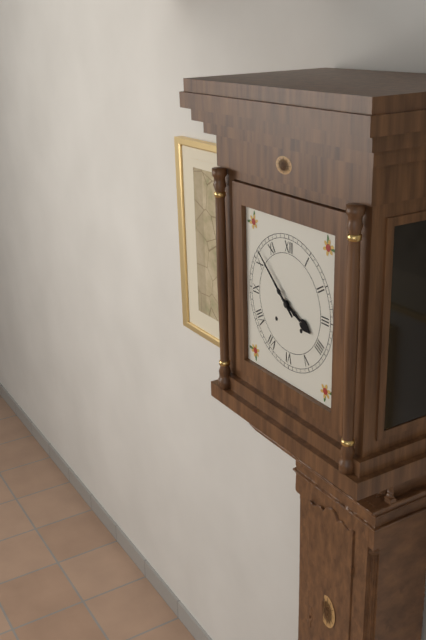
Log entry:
h=3 m=52
